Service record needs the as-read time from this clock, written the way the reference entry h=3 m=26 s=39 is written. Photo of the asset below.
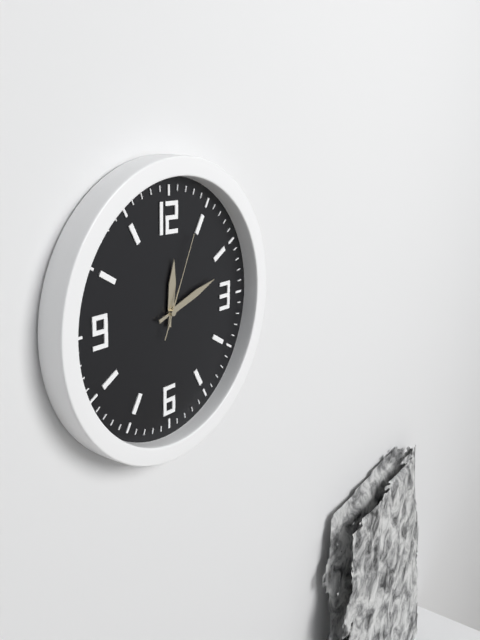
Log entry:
h=12 m=12 s=4
